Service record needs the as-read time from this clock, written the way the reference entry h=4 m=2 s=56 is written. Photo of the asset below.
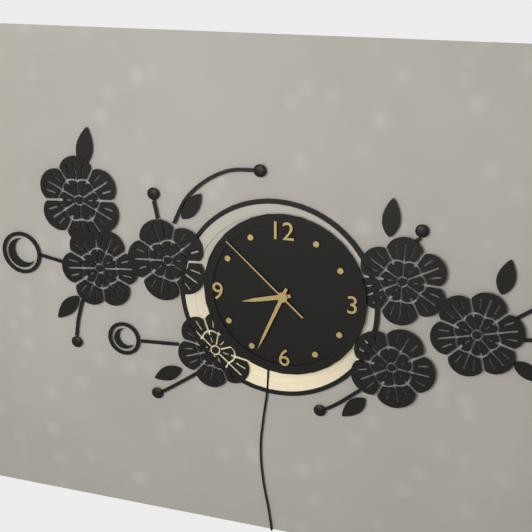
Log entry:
h=8 m=34 s=52
